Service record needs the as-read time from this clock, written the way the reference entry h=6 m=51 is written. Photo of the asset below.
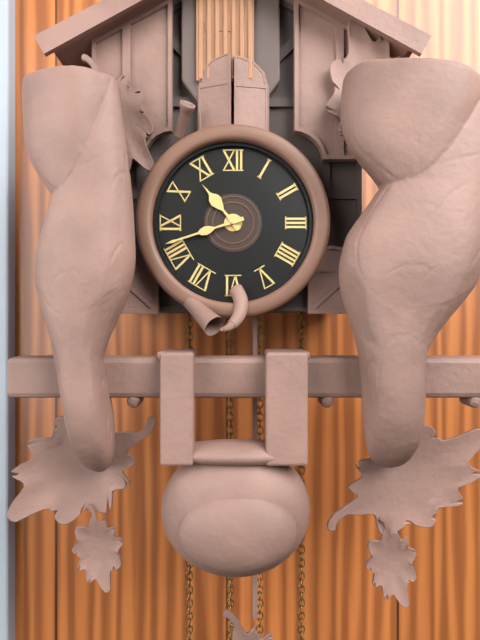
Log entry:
h=10 m=42
